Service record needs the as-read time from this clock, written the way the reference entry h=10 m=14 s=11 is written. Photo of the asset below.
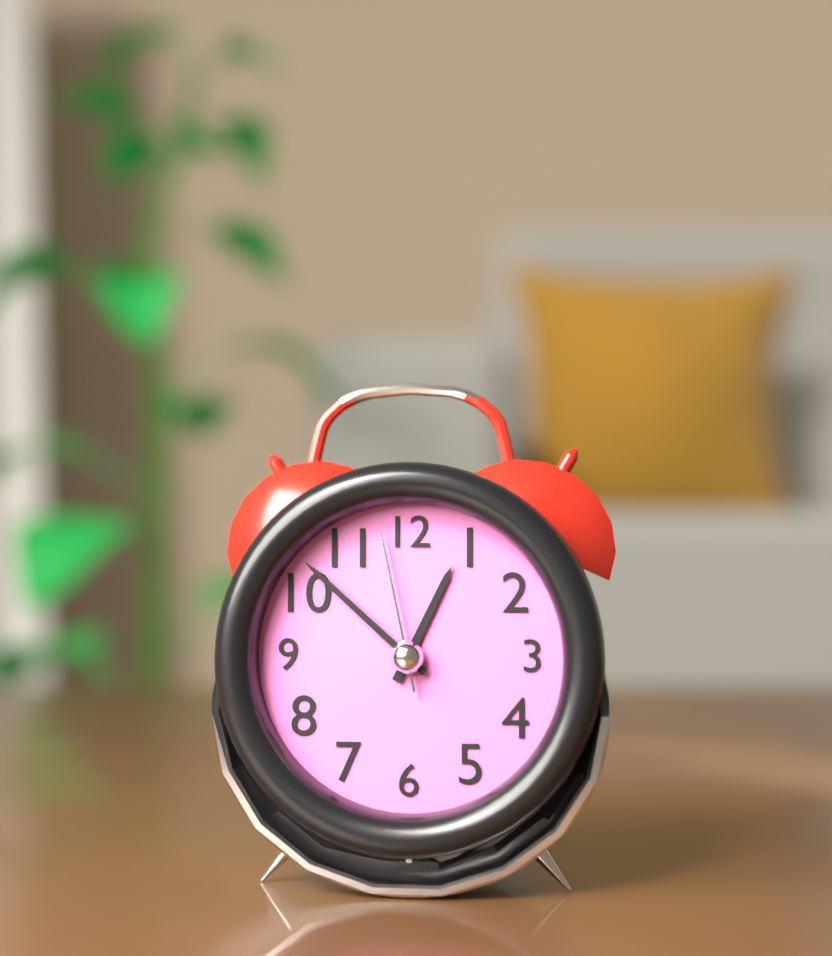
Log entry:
h=12 m=52 s=58
